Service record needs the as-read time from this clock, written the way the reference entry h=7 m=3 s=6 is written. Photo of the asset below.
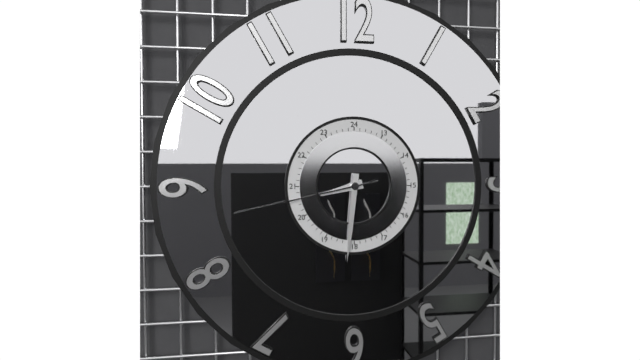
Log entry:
h=8 m=31 s=43
